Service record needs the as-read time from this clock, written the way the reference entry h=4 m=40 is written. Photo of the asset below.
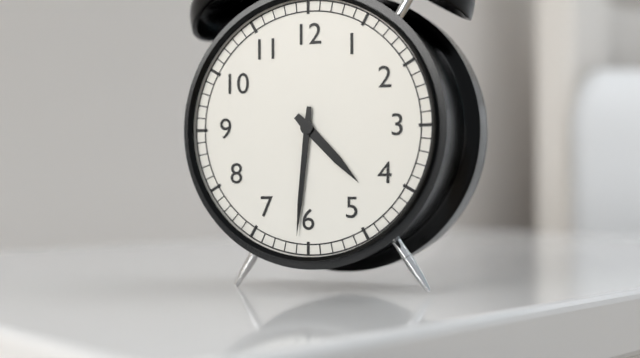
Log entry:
h=4 m=31
